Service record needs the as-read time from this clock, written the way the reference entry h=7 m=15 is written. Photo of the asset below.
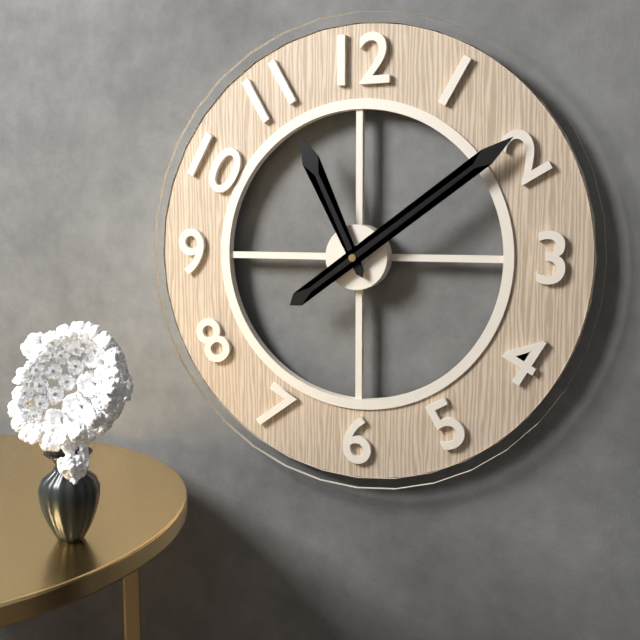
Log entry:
h=11 m=9
